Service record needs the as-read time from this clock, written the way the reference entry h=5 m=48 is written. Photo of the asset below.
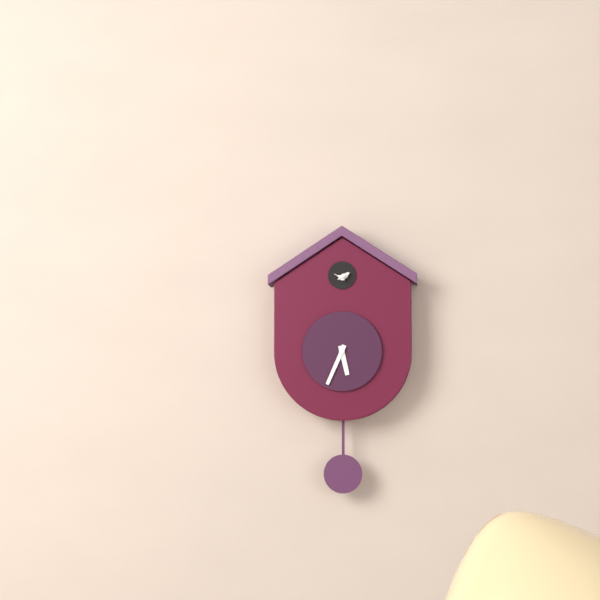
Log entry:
h=5 m=34
